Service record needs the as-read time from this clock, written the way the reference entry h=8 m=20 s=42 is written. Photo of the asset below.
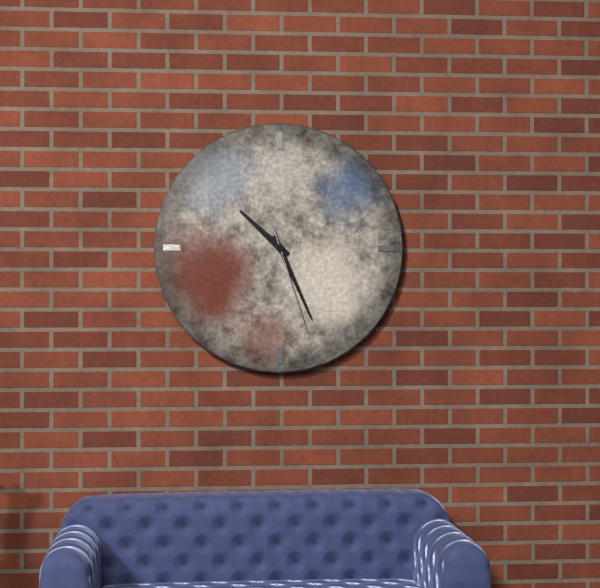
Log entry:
h=10 m=26 s=27
